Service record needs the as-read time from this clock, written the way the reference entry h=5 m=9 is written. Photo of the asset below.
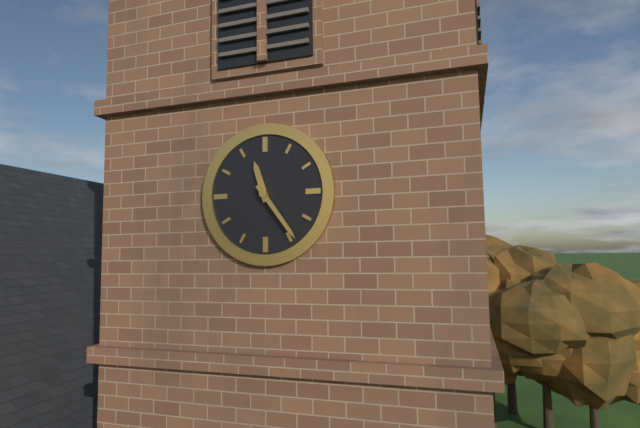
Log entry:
h=11 m=24
